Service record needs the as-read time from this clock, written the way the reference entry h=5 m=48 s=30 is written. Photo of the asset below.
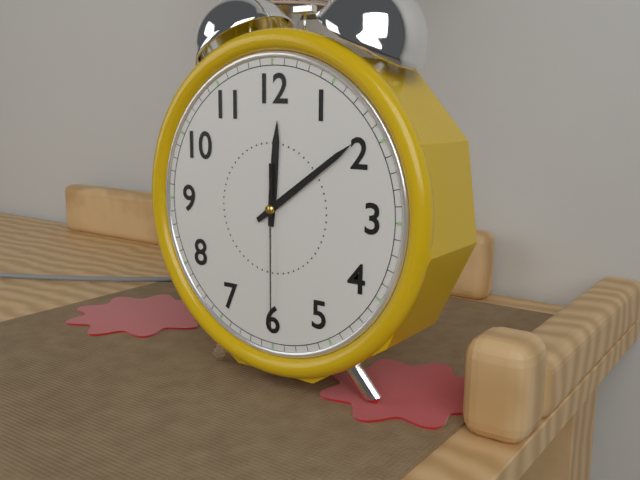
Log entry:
h=12 m=9 s=30
